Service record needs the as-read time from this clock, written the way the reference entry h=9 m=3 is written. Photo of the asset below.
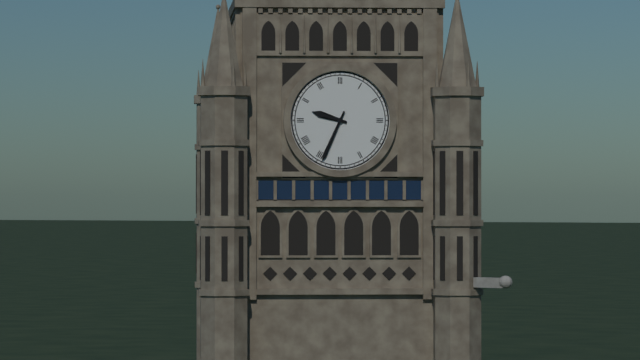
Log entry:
h=9 m=34
